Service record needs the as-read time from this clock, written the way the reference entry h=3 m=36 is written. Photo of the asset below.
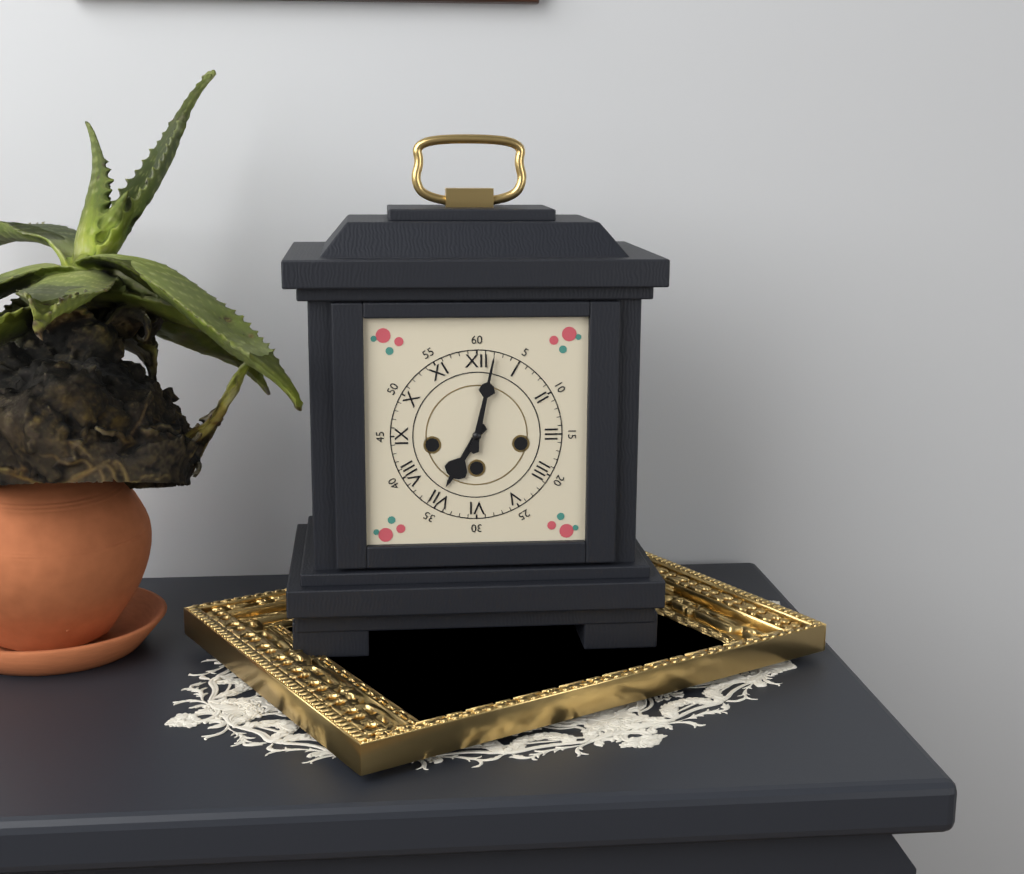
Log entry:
h=7 m=2
